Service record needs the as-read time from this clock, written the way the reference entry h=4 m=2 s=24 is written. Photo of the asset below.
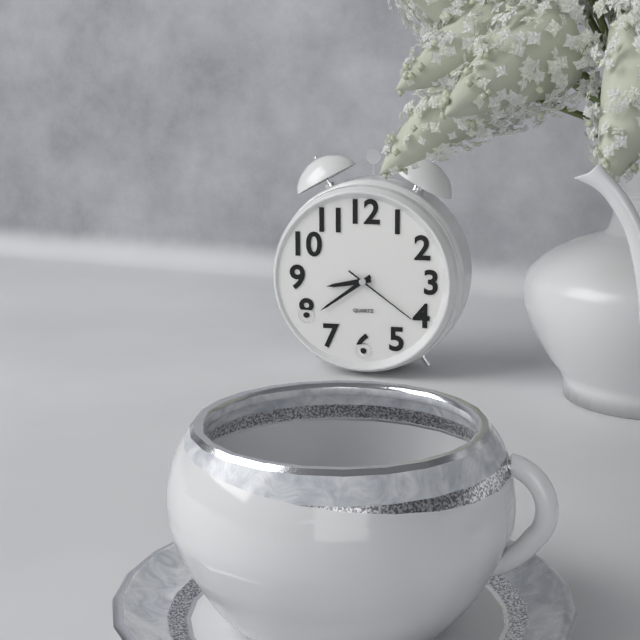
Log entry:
h=8 m=39 s=21
